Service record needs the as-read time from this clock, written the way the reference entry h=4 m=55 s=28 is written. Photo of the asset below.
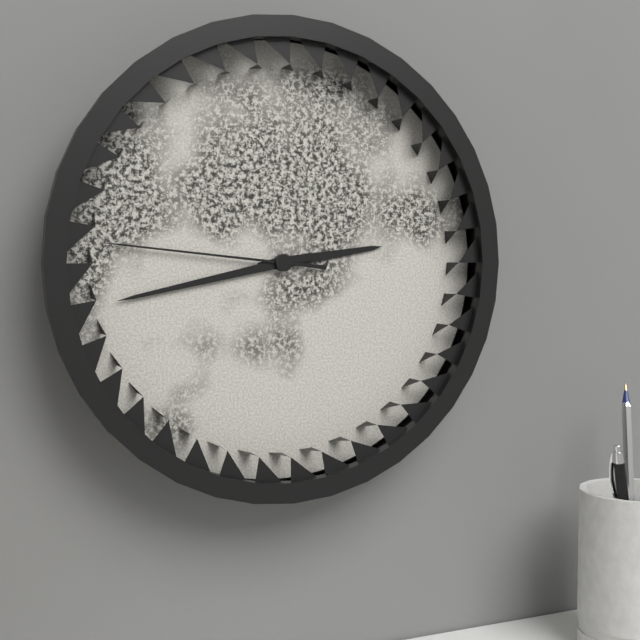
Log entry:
h=2 m=43 s=46
